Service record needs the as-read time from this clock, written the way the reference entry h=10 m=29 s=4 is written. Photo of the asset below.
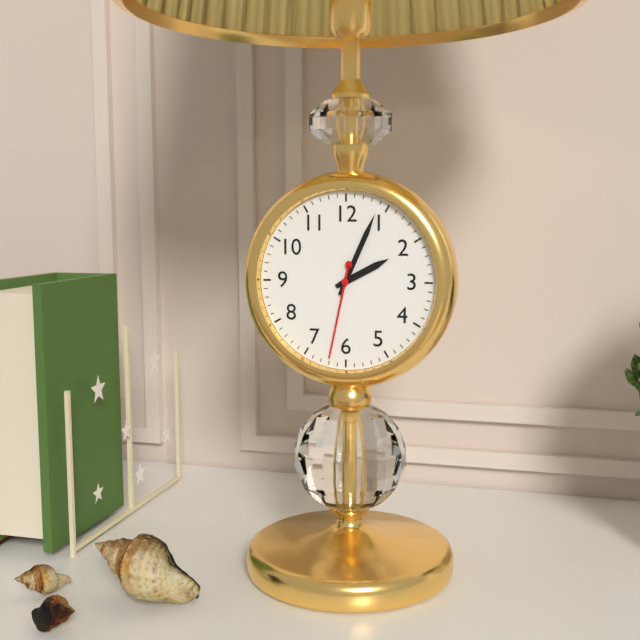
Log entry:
h=2 m=4 s=32
